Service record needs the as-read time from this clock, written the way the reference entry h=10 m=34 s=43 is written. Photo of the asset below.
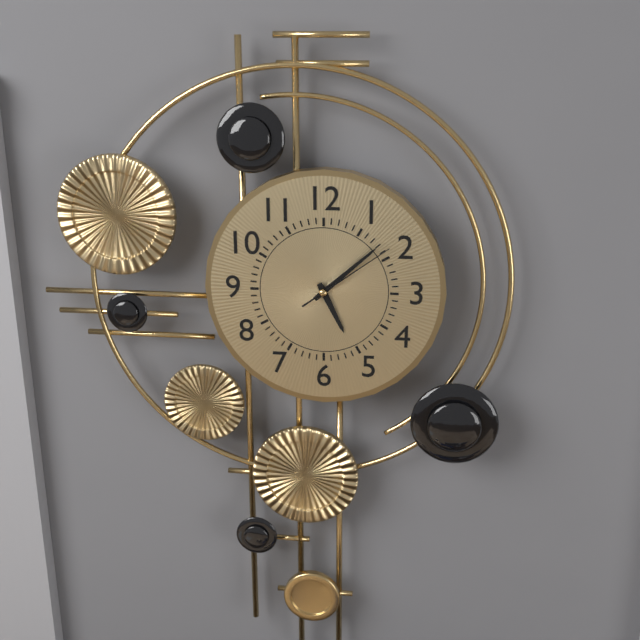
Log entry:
h=5 m=8 s=9
